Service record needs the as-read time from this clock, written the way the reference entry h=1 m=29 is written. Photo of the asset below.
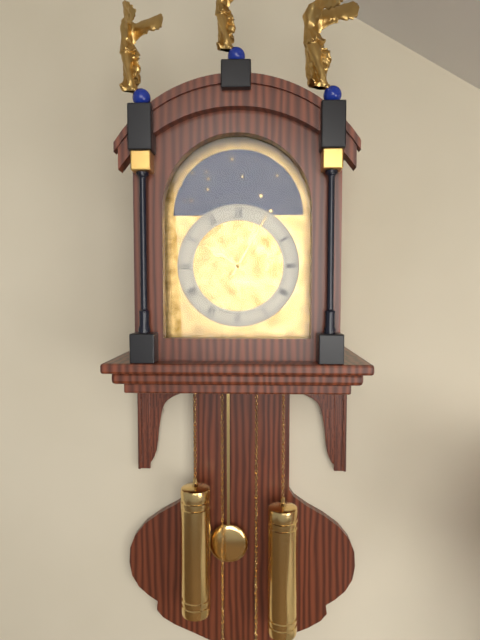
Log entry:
h=10 m=5
